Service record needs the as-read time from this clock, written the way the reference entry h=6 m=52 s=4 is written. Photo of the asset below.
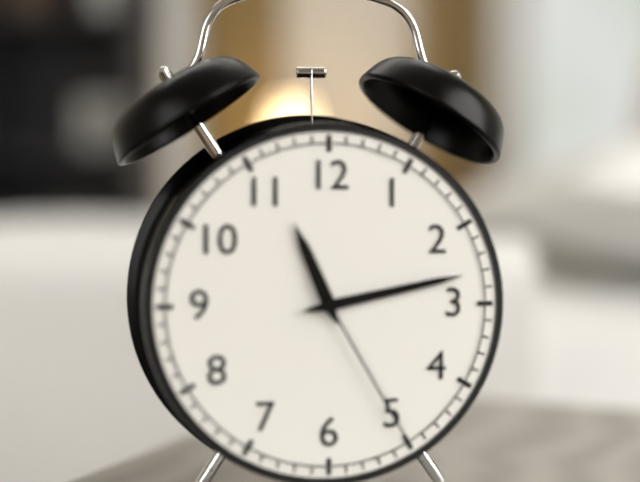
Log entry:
h=11 m=13 s=25
